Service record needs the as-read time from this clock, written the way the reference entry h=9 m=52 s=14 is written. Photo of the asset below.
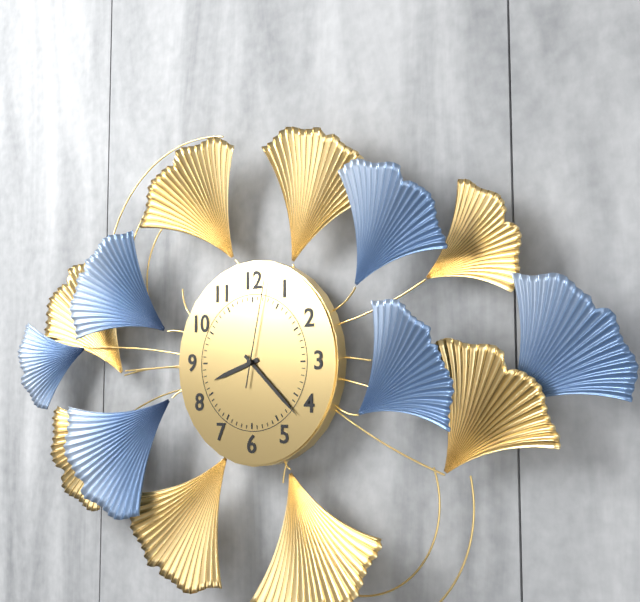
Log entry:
h=8 m=22 s=2
